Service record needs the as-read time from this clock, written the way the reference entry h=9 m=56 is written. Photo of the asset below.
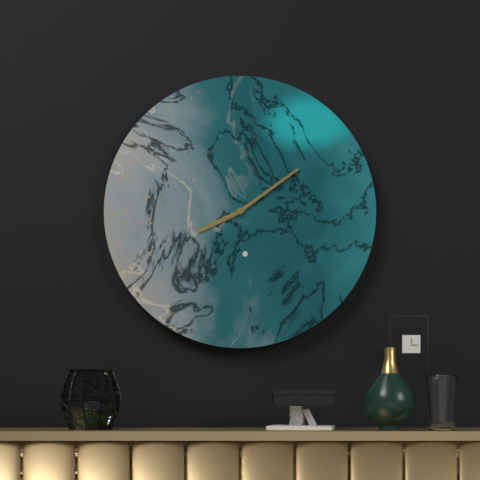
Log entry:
h=8 m=9
